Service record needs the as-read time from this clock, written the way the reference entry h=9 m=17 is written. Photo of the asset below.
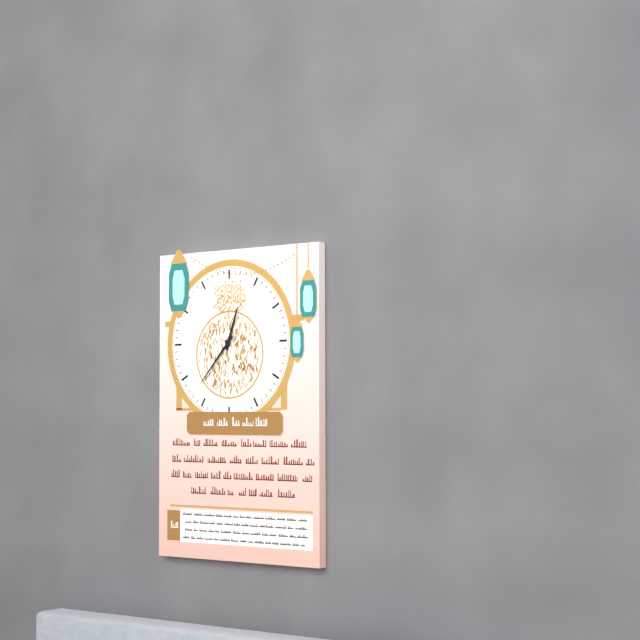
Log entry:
h=12 m=37
